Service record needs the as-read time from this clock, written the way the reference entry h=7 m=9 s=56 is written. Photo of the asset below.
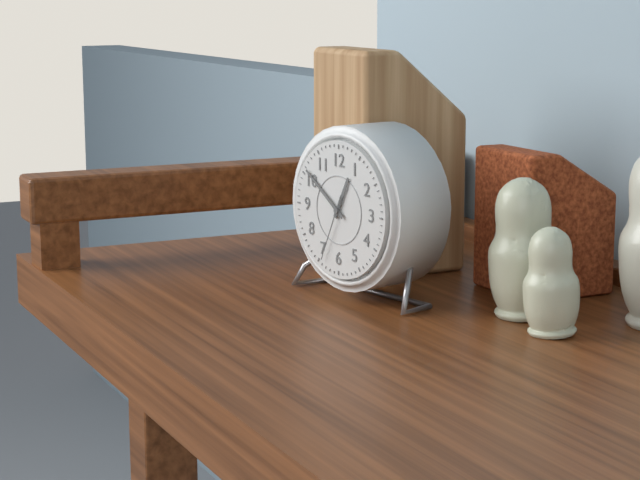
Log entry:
h=12 m=51 s=34
